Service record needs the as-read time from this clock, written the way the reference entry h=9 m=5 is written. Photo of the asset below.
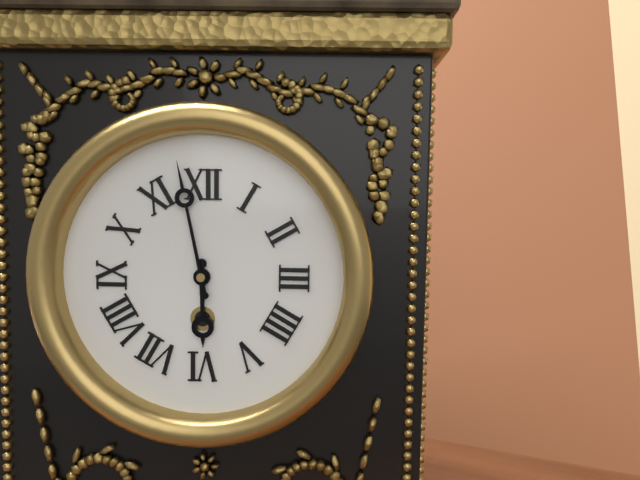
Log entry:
h=5 m=58
